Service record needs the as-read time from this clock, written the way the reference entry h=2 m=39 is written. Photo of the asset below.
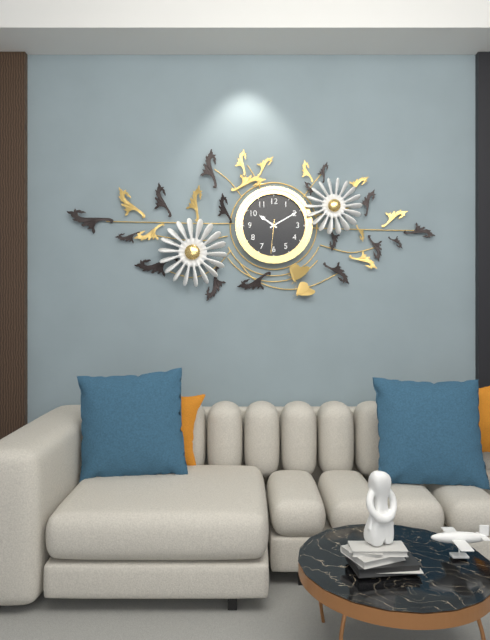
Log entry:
h=10 m=10
